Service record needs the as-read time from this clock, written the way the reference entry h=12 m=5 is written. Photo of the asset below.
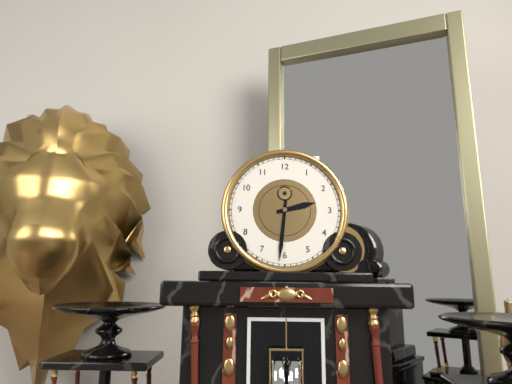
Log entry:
h=2 m=31
